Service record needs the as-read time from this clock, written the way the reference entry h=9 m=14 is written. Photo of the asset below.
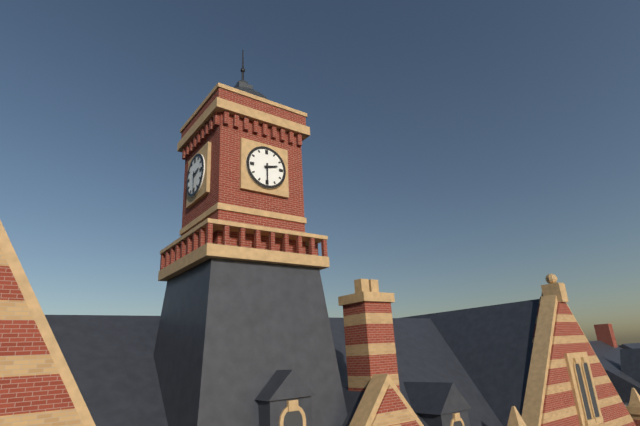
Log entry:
h=2 m=30
